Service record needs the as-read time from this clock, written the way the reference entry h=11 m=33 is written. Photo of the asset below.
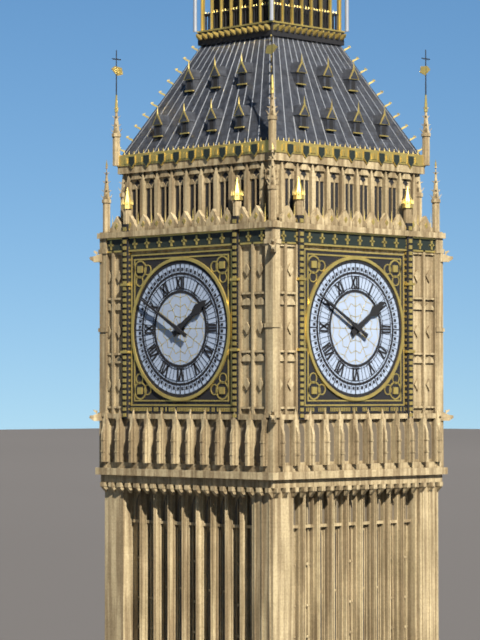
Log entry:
h=1 m=50
